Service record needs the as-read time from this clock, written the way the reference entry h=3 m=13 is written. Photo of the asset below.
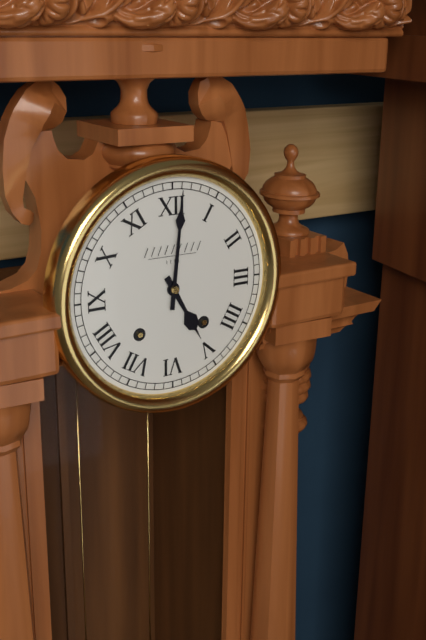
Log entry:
h=5 m=1
